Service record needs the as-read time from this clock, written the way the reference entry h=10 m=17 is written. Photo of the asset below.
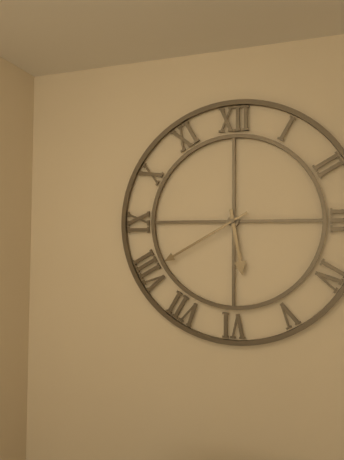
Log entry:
h=5 m=40
